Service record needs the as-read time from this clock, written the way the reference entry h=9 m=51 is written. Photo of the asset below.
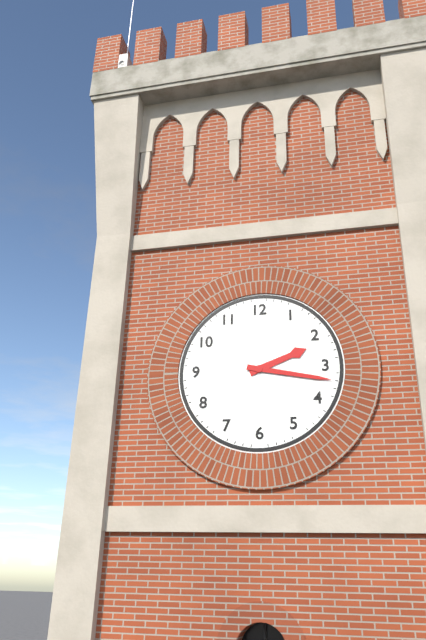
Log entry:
h=2 m=17
